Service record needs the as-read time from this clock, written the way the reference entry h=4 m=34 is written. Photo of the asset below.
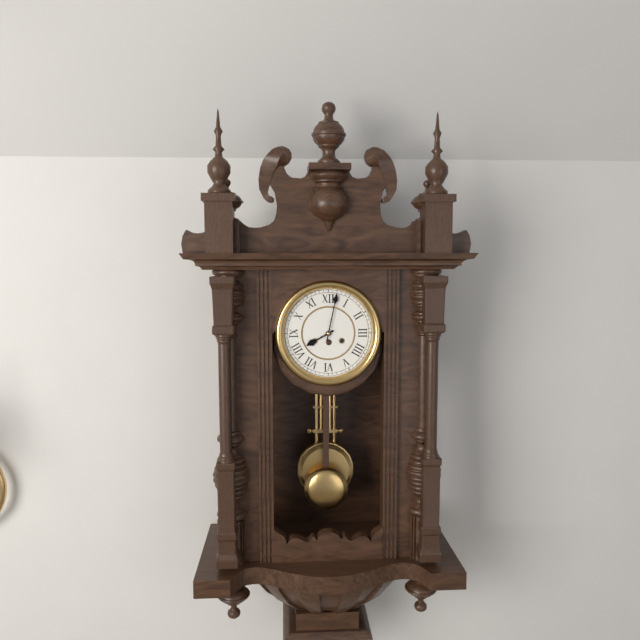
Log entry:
h=8 m=2
